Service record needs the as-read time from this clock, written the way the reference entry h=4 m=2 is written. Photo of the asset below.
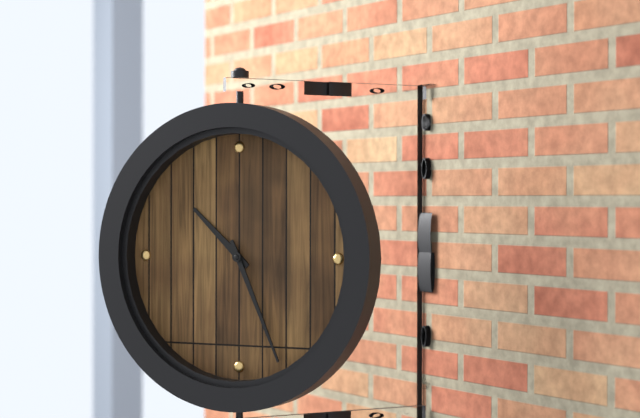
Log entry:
h=10 m=26
